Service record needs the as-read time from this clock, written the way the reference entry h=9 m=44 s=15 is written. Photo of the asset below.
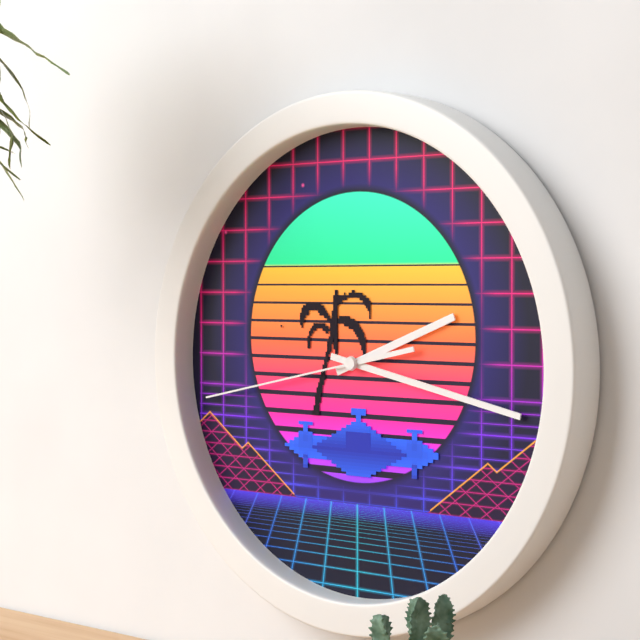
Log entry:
h=2 m=17 s=43
